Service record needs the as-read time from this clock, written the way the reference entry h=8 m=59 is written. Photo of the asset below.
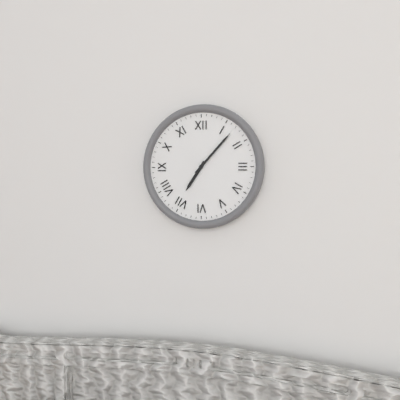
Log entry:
h=7 m=7
